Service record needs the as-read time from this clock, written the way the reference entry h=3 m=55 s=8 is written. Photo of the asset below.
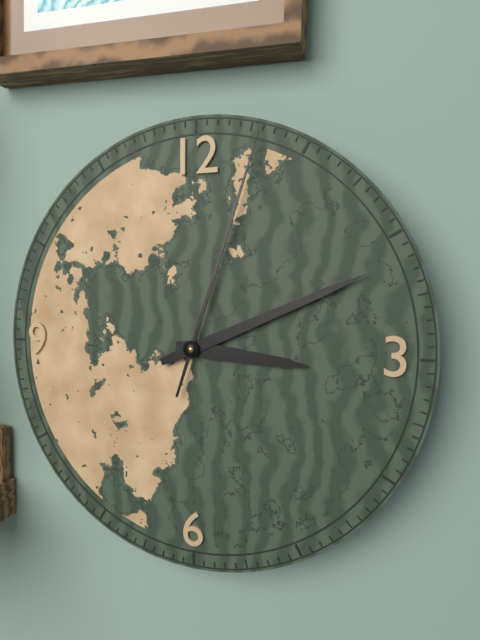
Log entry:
h=3 m=11 s=3
